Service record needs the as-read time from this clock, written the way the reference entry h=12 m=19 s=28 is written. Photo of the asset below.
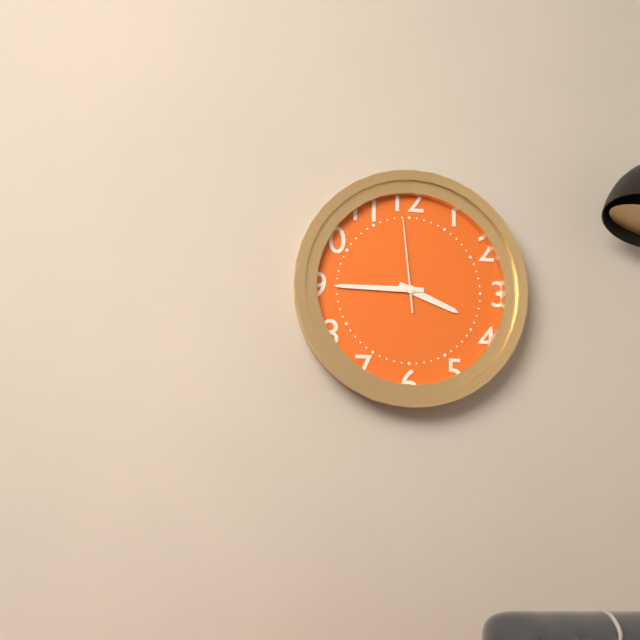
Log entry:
h=3 m=45 s=59
